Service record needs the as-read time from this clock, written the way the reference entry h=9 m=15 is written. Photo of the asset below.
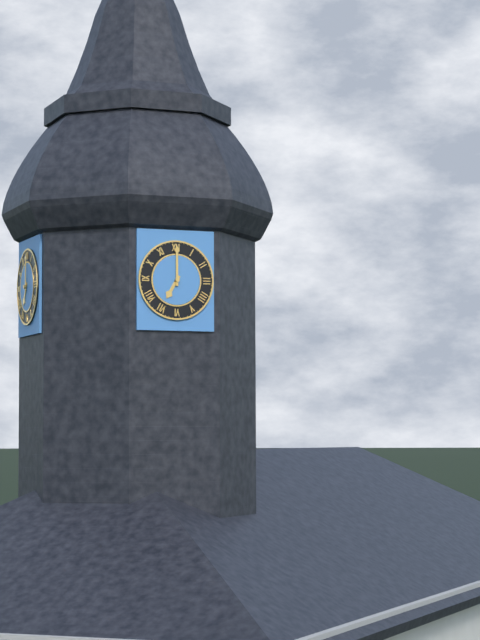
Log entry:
h=7 m=0
